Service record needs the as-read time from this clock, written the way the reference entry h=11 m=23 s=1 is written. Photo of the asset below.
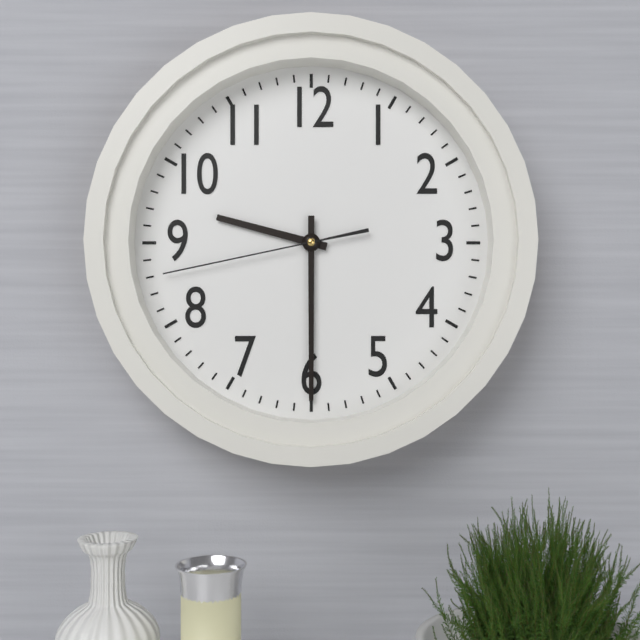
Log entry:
h=9 m=30 s=43
